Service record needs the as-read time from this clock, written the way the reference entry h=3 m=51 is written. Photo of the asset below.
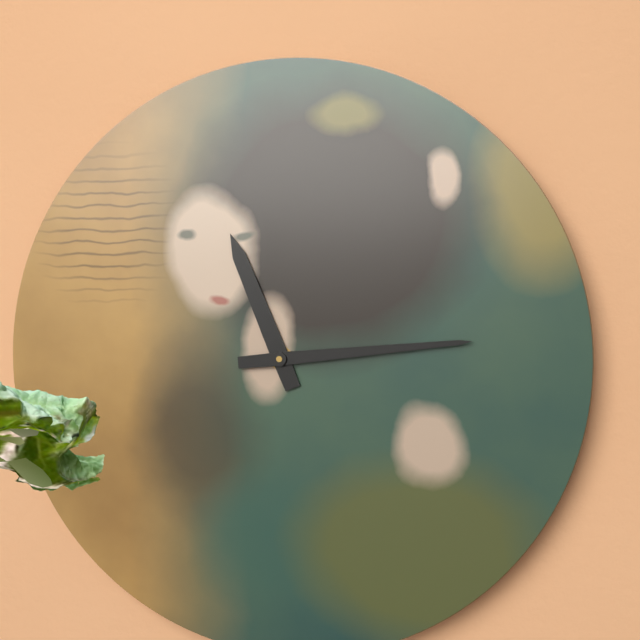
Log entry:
h=11 m=14
